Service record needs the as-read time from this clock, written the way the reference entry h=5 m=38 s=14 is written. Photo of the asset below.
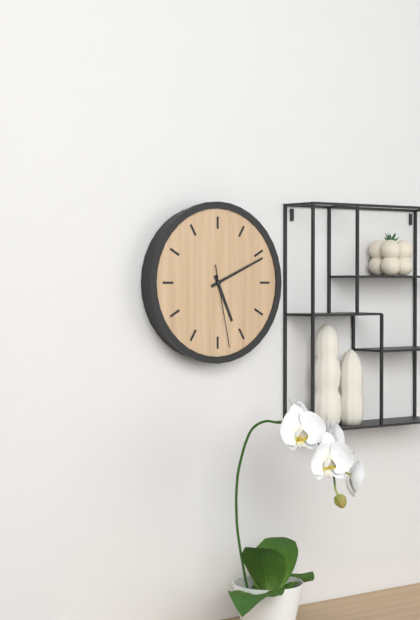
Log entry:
h=5 m=11 s=28
